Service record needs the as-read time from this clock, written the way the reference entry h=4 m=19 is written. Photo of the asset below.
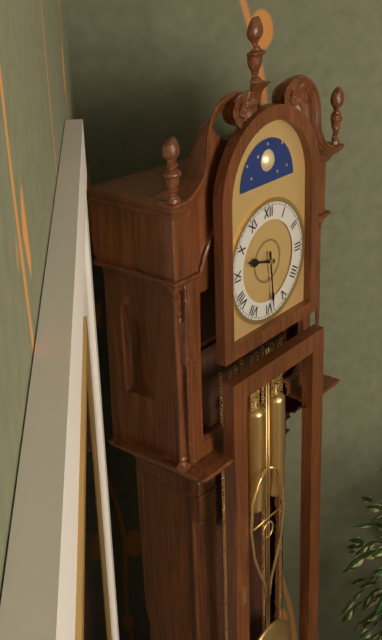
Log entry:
h=9 m=29
